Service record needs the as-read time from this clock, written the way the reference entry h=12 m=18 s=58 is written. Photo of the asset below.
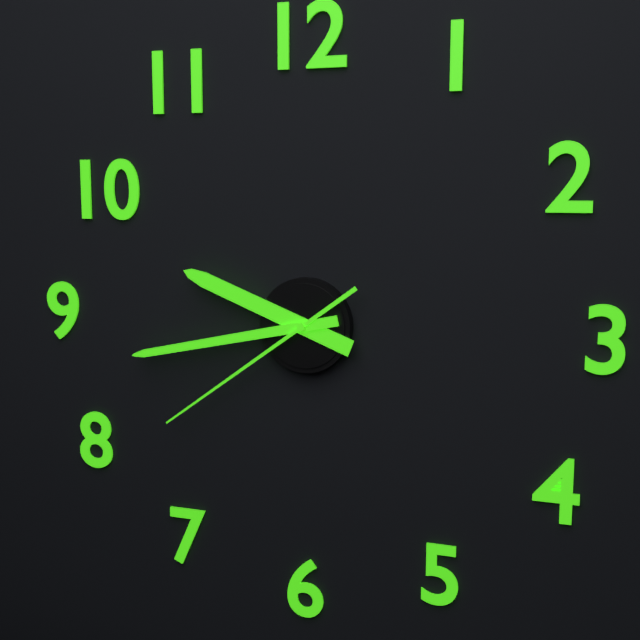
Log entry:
h=9 m=43 s=39
